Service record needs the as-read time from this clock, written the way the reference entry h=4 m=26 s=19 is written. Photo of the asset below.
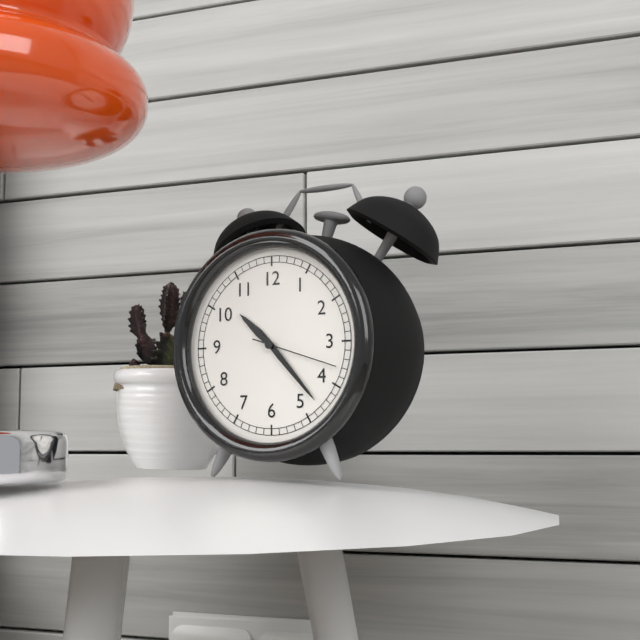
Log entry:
h=10 m=23 s=18
